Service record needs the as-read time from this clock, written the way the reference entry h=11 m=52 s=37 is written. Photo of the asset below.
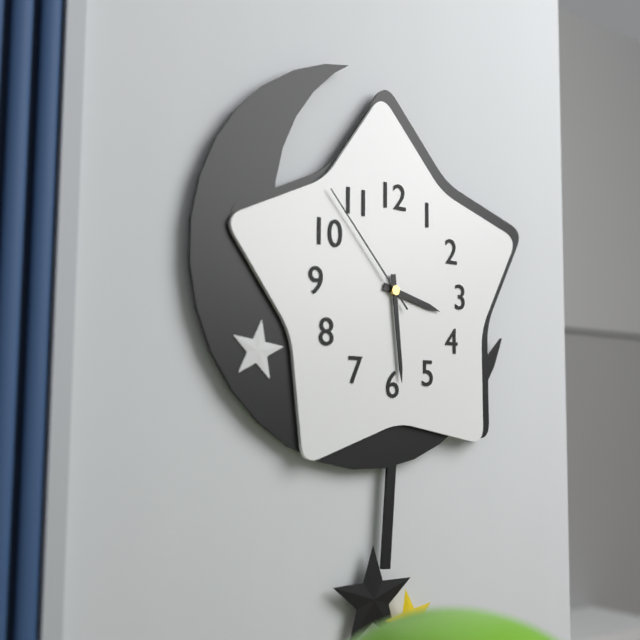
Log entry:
h=3 m=29 s=53
